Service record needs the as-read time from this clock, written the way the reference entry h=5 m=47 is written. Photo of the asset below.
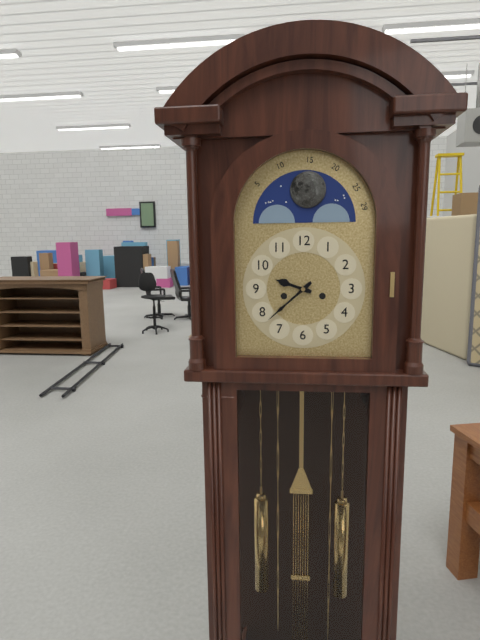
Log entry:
h=9 m=38
